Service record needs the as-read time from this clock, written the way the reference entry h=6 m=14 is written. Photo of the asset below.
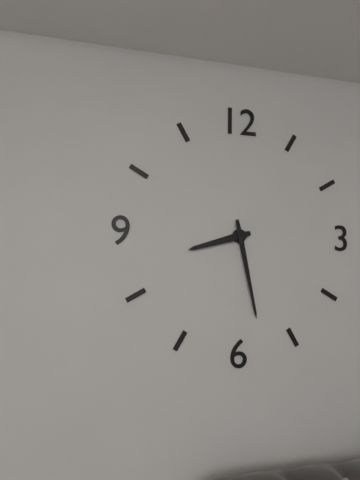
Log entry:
h=8 m=28
